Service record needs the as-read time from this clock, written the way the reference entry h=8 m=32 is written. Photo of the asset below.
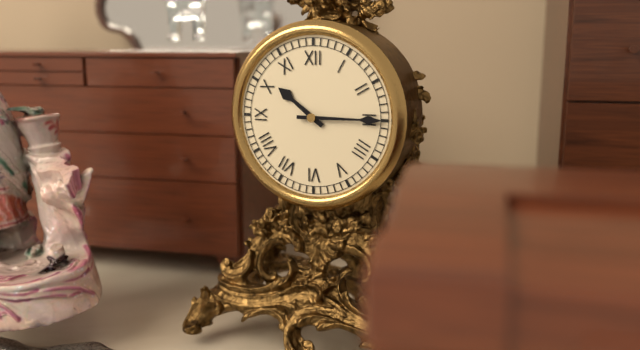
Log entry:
h=10 m=15
